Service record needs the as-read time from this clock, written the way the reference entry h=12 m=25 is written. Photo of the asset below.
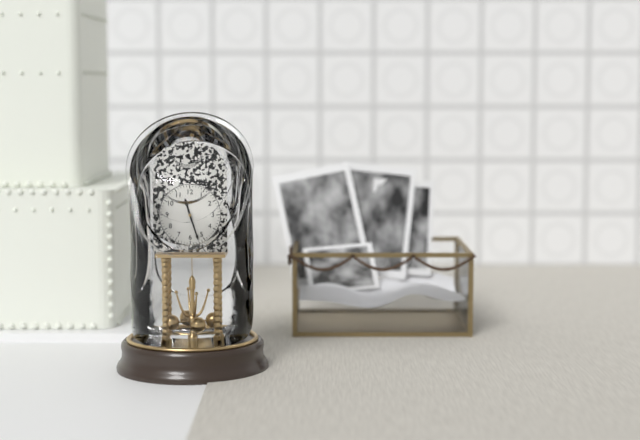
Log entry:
h=11 m=27
